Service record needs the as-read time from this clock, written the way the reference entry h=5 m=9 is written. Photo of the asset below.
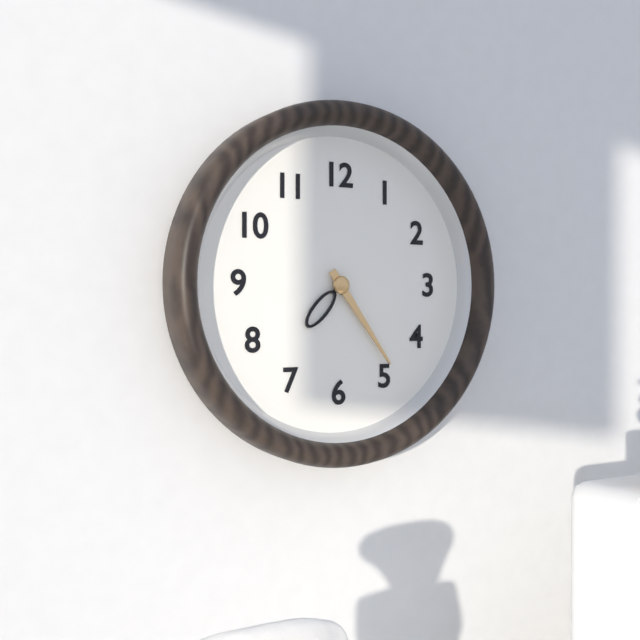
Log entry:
h=7 m=24
